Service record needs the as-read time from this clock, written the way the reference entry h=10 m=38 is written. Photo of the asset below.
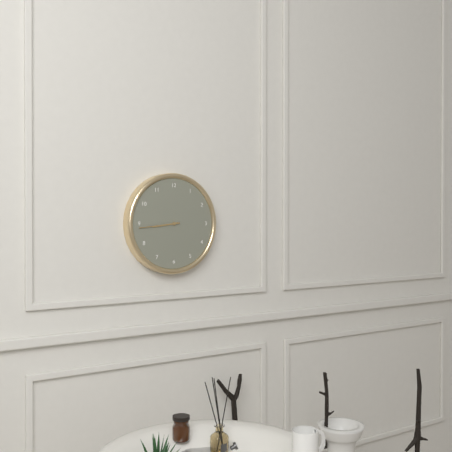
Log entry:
h=8 m=44
